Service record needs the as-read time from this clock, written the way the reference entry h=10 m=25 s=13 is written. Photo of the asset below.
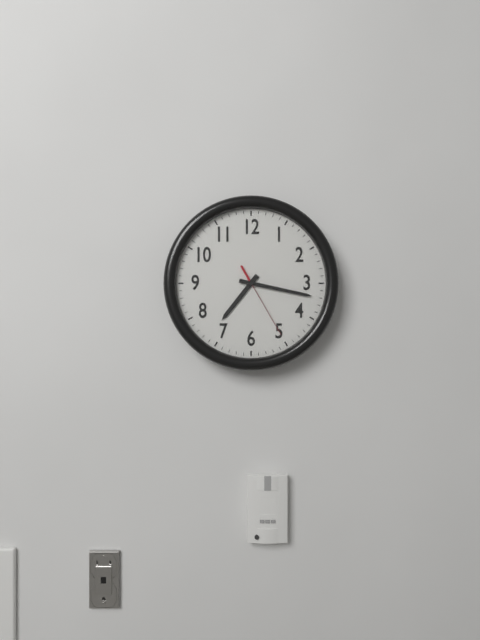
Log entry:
h=7 m=17 s=25
